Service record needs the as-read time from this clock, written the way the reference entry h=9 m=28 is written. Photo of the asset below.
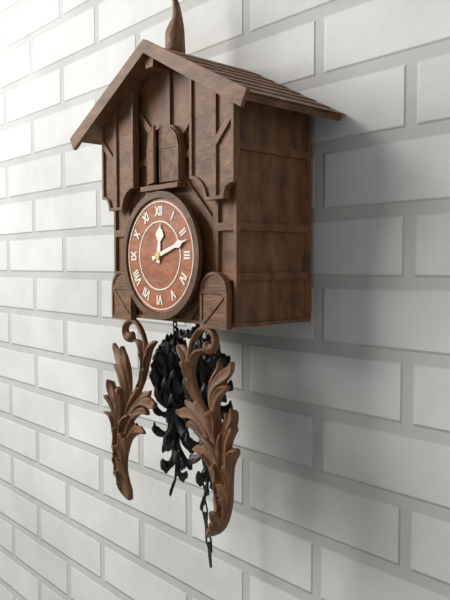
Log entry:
h=12 m=12
